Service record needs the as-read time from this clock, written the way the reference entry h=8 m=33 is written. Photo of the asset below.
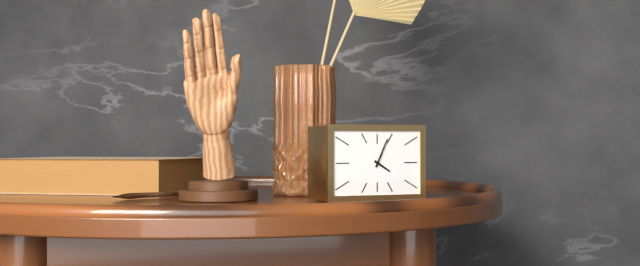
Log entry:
h=4 m=4
